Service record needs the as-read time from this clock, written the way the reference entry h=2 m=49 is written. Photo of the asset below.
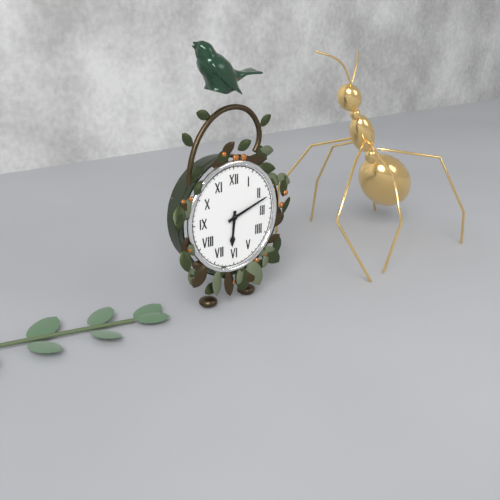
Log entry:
h=6 m=12
